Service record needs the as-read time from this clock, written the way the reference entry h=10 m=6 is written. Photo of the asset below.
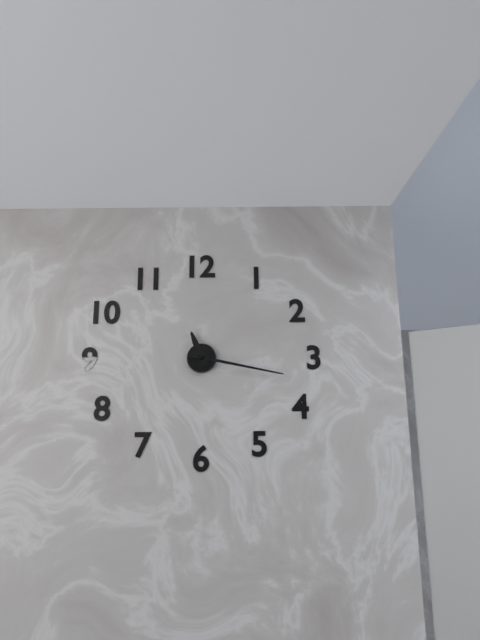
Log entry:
h=11 m=17
